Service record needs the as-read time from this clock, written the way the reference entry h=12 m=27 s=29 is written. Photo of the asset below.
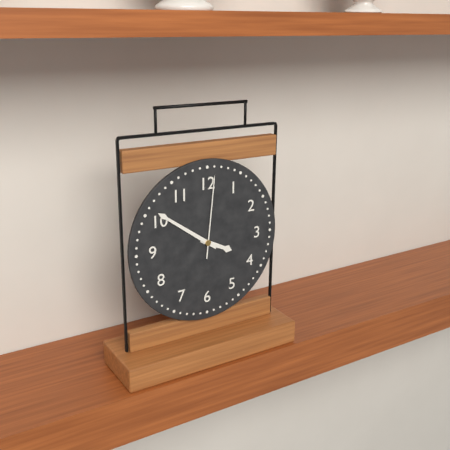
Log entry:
h=3 m=51 s=1
